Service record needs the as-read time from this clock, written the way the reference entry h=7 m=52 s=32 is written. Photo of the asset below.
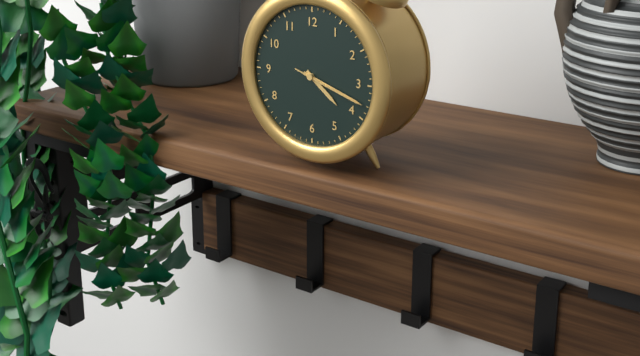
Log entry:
h=4 m=18 s=18
